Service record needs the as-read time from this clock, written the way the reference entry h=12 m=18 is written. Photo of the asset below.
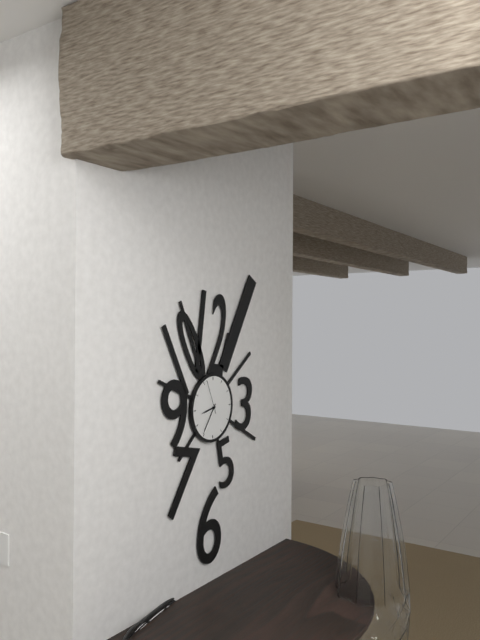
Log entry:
h=8 m=36
